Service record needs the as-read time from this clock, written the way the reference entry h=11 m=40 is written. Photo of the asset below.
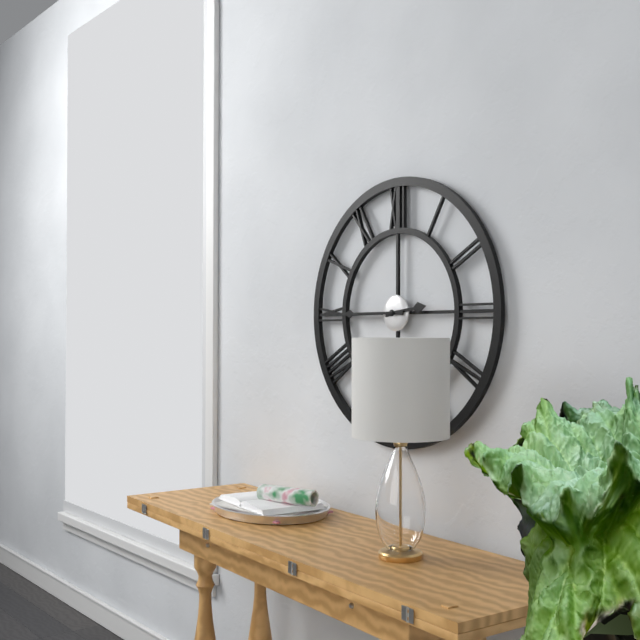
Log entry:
h=2 m=45
